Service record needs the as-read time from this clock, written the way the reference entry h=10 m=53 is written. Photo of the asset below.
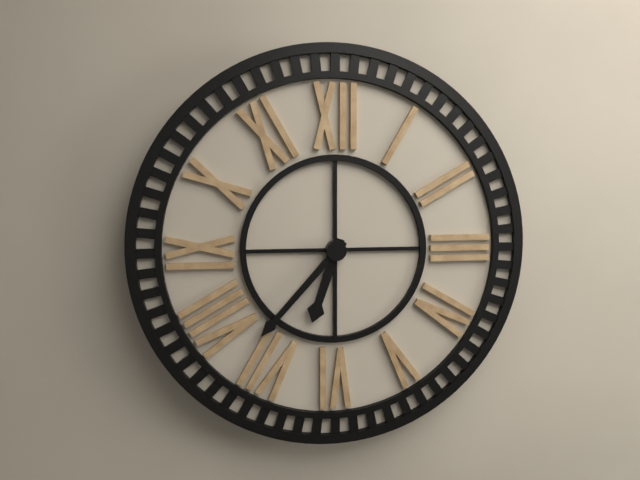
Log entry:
h=6 m=37
